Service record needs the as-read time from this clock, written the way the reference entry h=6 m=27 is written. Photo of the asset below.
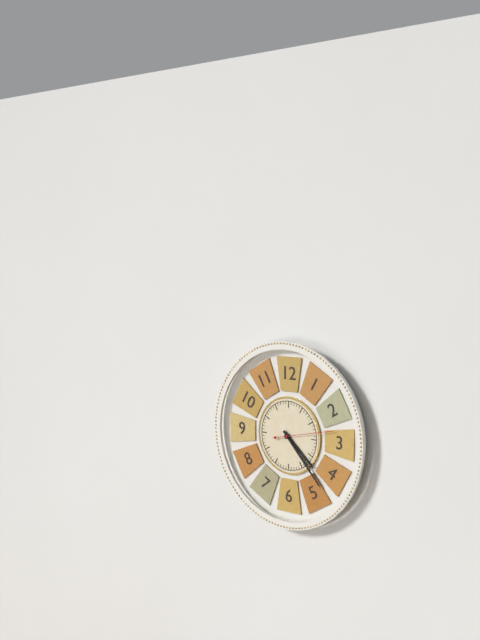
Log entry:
h=4 m=23
